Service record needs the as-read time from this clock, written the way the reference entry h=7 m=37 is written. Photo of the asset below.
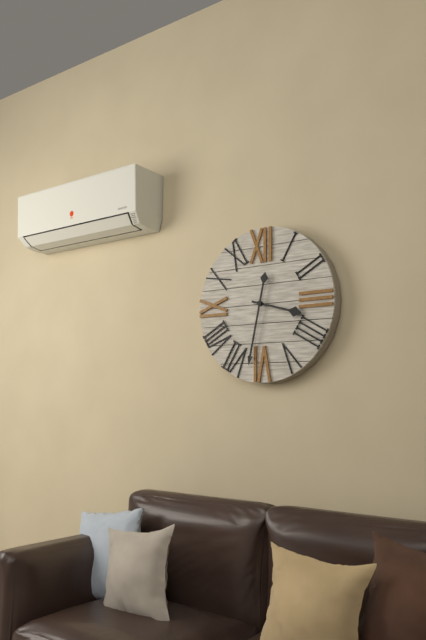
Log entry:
h=3 m=32
